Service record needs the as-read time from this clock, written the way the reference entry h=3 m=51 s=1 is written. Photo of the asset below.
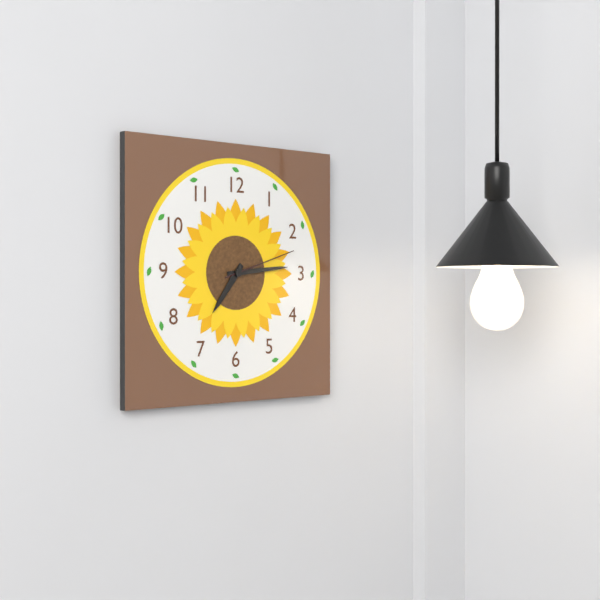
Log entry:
h=7 m=14 s=12
